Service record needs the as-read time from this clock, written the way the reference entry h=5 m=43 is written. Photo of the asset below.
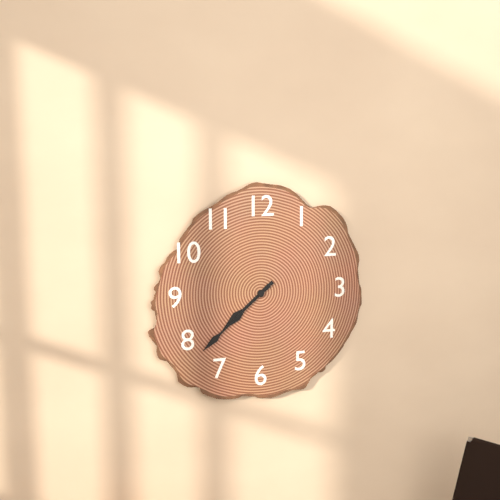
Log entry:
h=7 m=38
